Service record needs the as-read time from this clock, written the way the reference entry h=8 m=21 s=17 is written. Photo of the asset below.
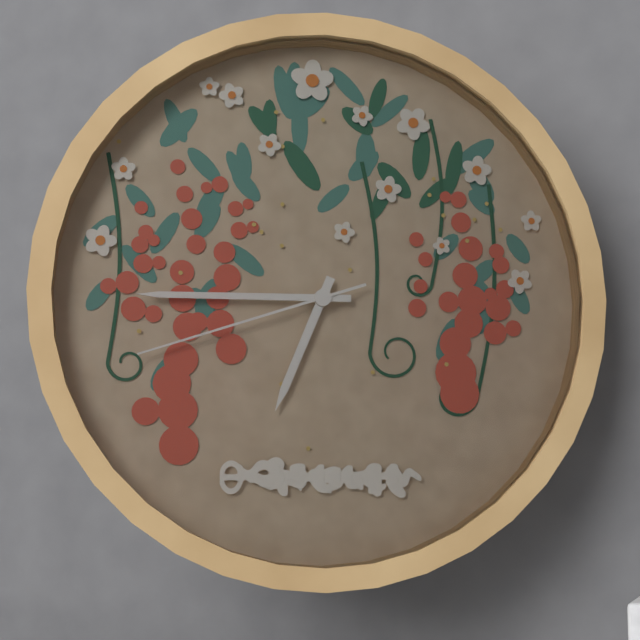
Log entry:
h=6 m=45 s=42
